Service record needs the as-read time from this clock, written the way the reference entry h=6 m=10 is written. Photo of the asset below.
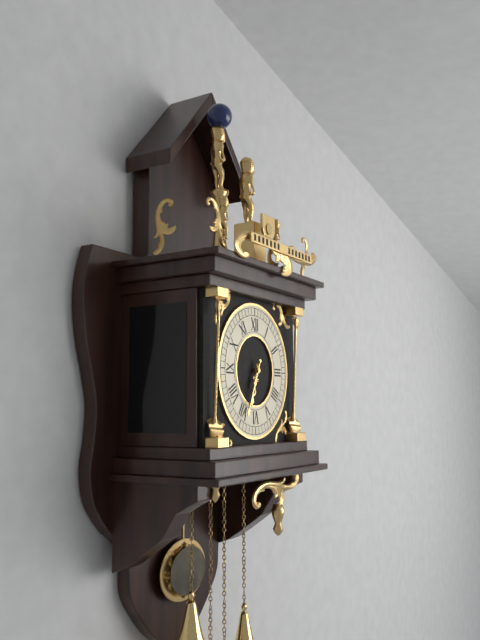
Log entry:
h=6 m=34
